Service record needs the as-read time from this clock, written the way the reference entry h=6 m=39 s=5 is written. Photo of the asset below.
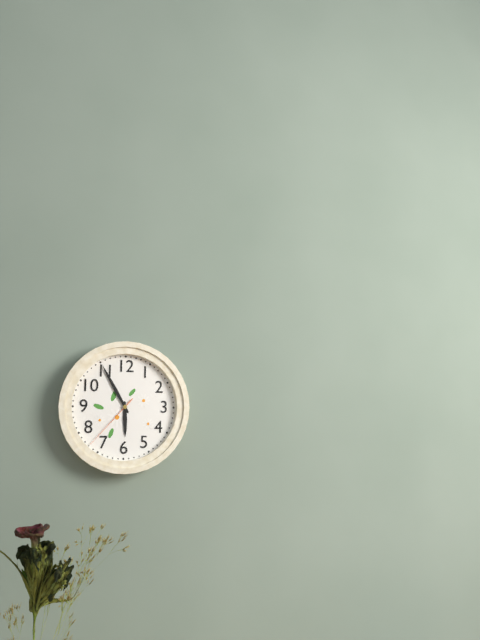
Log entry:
h=5 m=55 s=37
